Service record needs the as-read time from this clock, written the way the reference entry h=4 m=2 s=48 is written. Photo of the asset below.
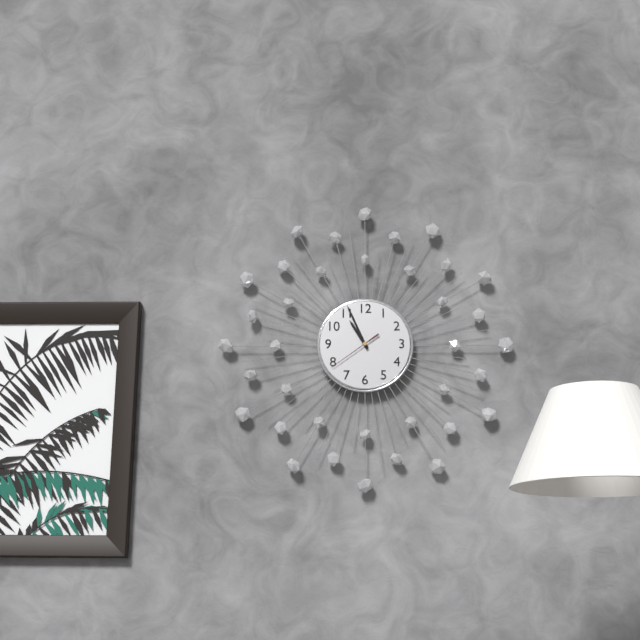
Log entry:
h=10 m=56 s=39
